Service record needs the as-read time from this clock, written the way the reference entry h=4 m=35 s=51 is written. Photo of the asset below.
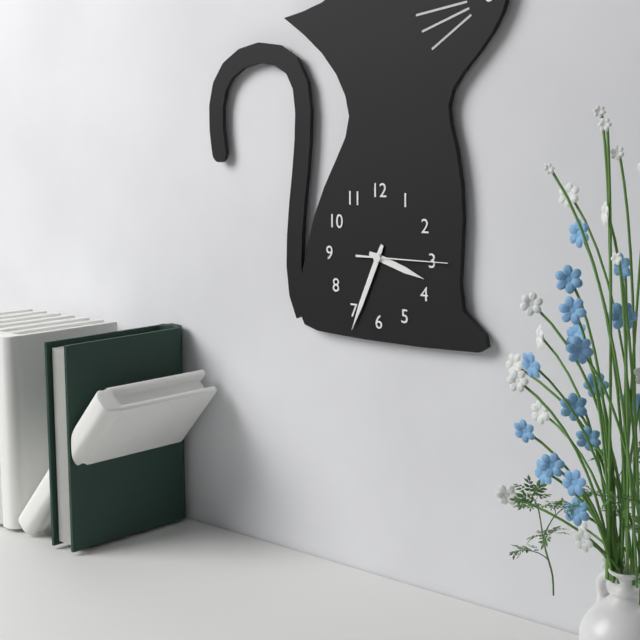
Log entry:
h=3 m=34 s=15
